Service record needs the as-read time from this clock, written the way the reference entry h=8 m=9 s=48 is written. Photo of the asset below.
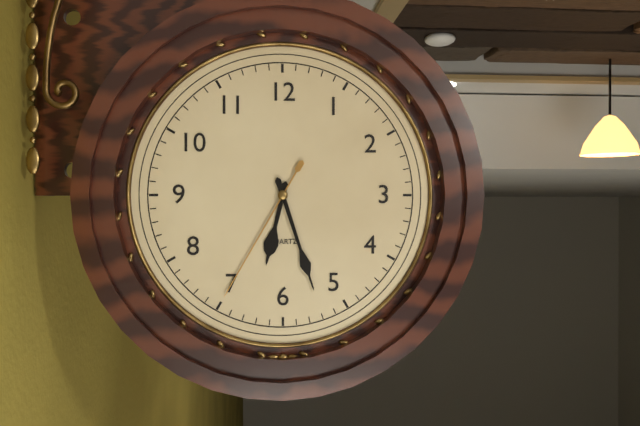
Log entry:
h=6 m=27 s=35
